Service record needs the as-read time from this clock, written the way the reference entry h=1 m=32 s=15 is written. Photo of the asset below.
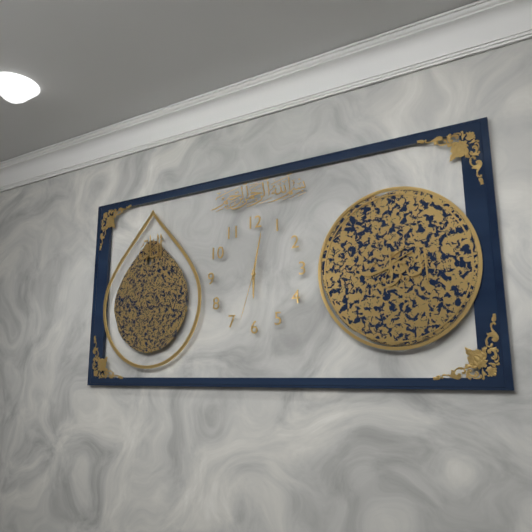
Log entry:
h=6 m=2 s=33
